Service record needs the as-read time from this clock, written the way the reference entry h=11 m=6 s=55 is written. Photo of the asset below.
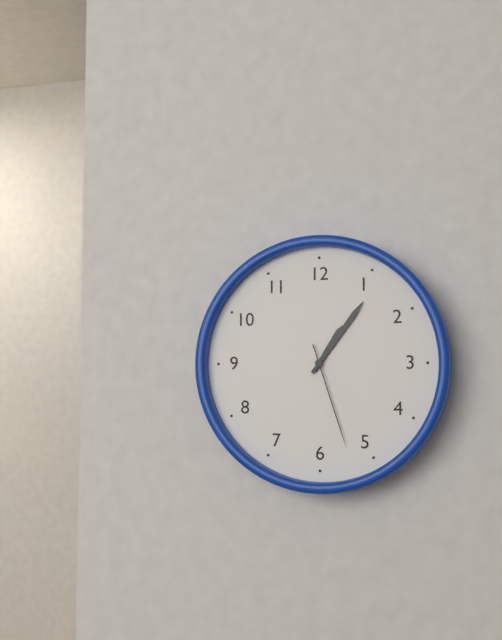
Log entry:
h=1 m=6 s=27
